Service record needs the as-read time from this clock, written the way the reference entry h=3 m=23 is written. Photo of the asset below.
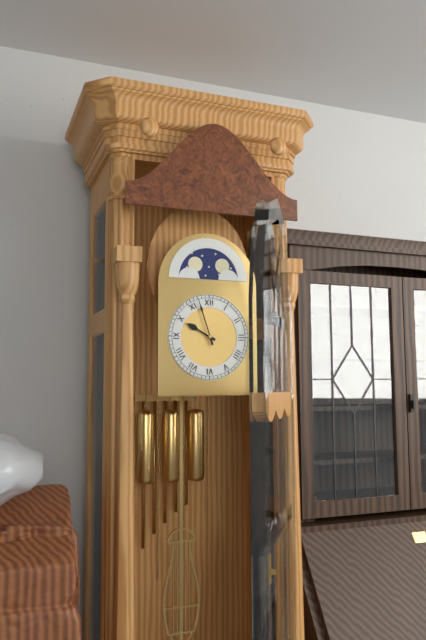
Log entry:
h=9 m=57
